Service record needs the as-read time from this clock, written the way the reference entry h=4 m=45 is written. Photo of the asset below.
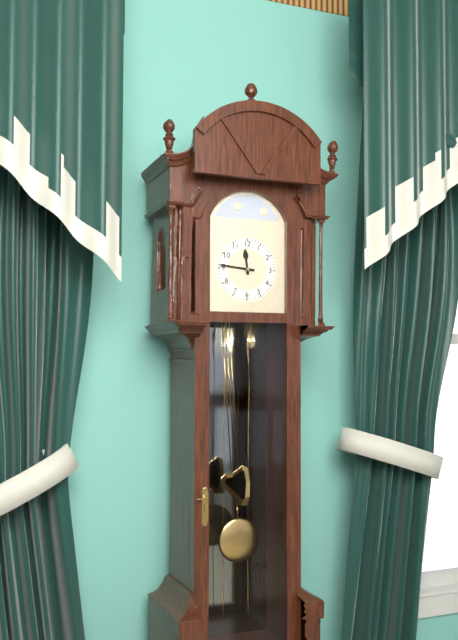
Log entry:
h=11 m=46
